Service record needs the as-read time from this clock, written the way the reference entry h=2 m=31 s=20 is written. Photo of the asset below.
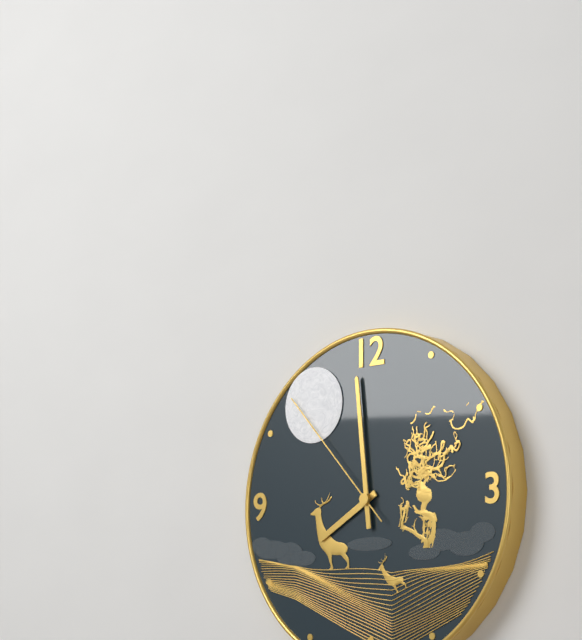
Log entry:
h=7 m=59 s=53
